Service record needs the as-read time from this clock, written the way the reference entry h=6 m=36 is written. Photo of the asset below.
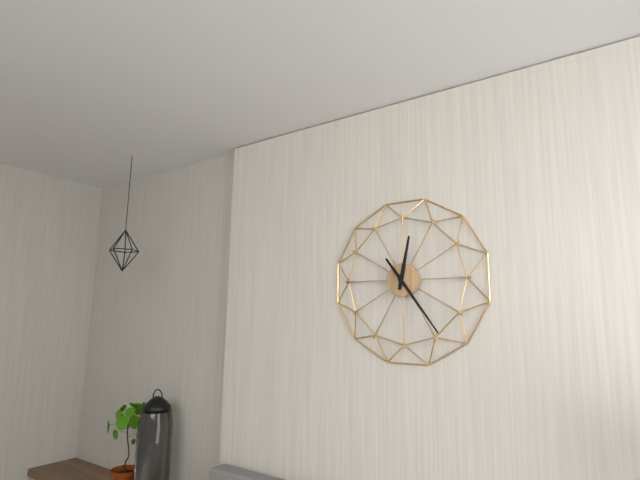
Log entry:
h=12 m=24
